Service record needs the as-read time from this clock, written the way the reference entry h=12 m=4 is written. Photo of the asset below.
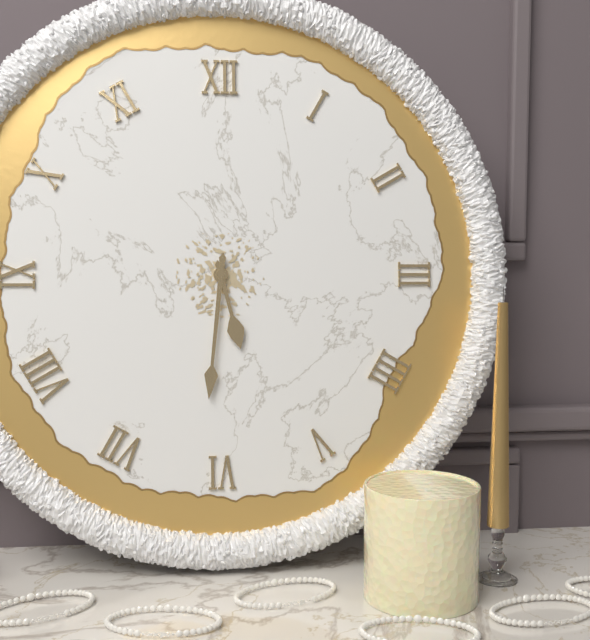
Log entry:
h=5 m=31
